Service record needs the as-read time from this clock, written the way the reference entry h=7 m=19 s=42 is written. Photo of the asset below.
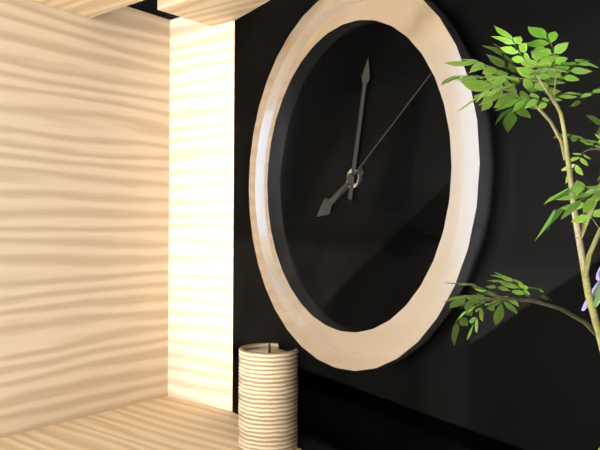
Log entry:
h=8 m=2 s=9
